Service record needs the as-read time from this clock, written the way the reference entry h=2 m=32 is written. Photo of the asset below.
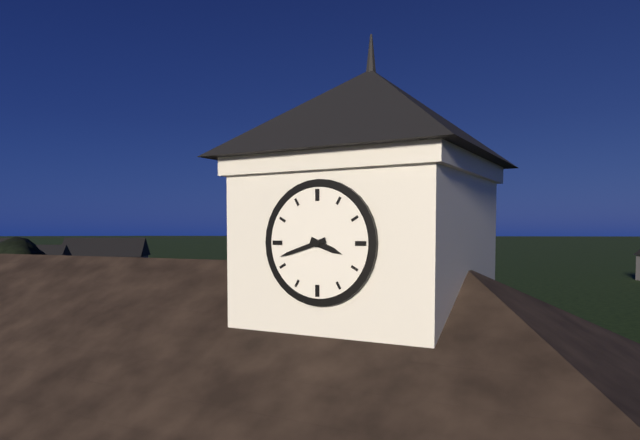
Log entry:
h=3 m=42
